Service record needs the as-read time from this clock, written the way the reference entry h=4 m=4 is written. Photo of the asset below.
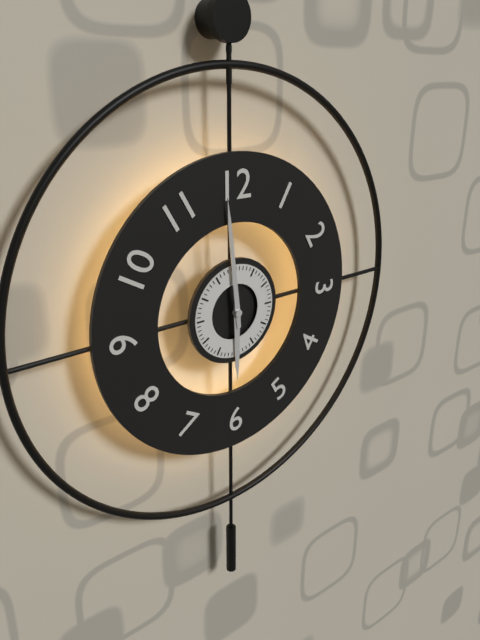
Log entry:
h=5 m=59
